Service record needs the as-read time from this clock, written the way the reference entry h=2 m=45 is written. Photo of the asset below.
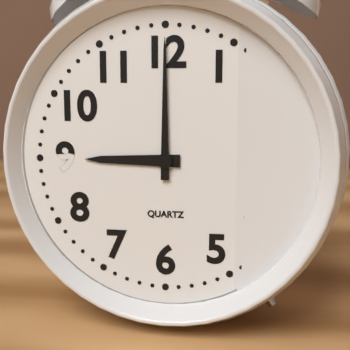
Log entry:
h=9 m=0
